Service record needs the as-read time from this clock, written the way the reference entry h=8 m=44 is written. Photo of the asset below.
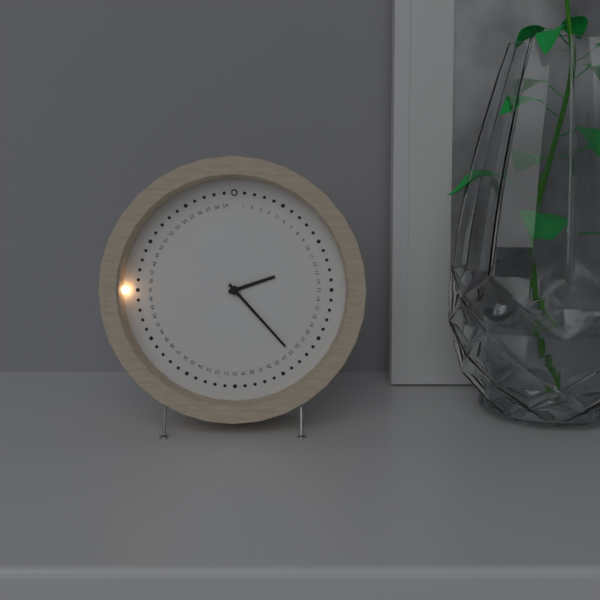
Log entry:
h=2 m=23
